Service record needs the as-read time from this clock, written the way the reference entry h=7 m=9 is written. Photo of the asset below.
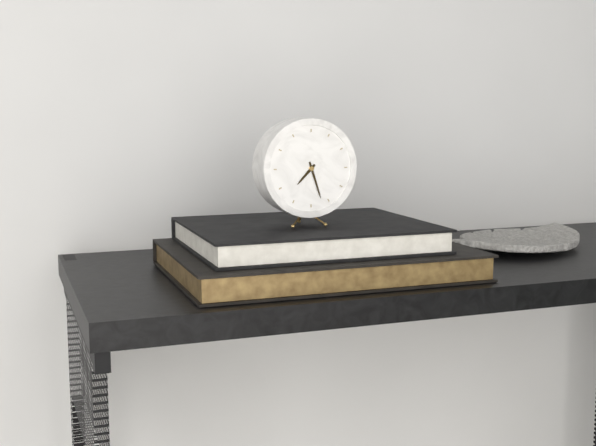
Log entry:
h=7 m=27
